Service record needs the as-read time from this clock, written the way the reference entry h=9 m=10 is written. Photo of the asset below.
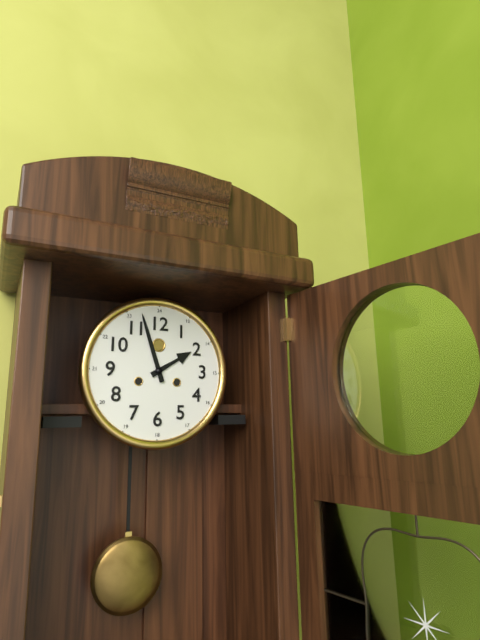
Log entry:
h=1 m=57
